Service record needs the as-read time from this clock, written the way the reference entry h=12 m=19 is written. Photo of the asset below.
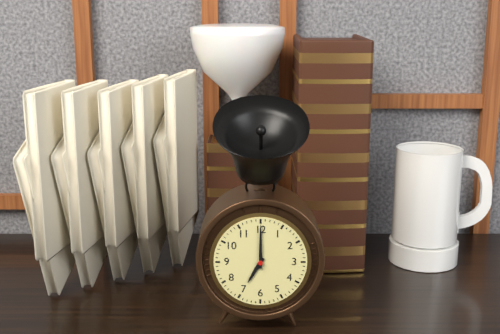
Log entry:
h=7 m=0
